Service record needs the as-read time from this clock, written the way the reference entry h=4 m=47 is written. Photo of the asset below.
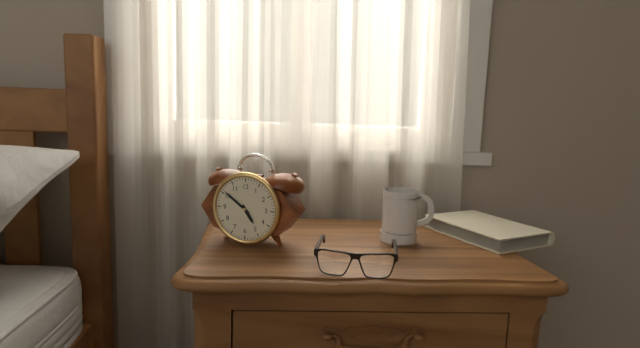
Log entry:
h=4 m=51
